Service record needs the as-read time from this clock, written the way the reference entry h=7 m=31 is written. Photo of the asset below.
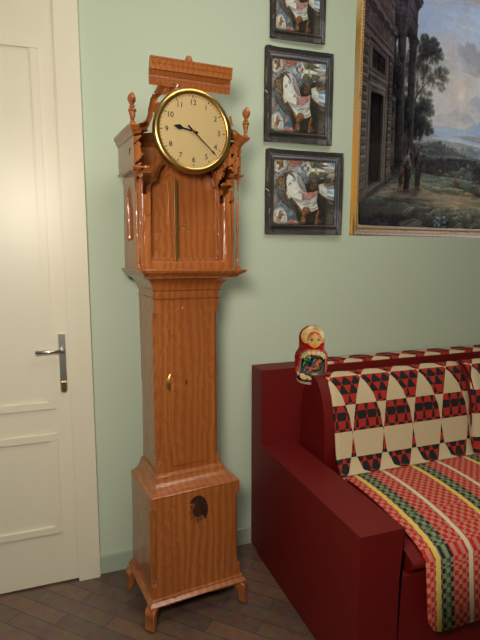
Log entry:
h=9 m=22
